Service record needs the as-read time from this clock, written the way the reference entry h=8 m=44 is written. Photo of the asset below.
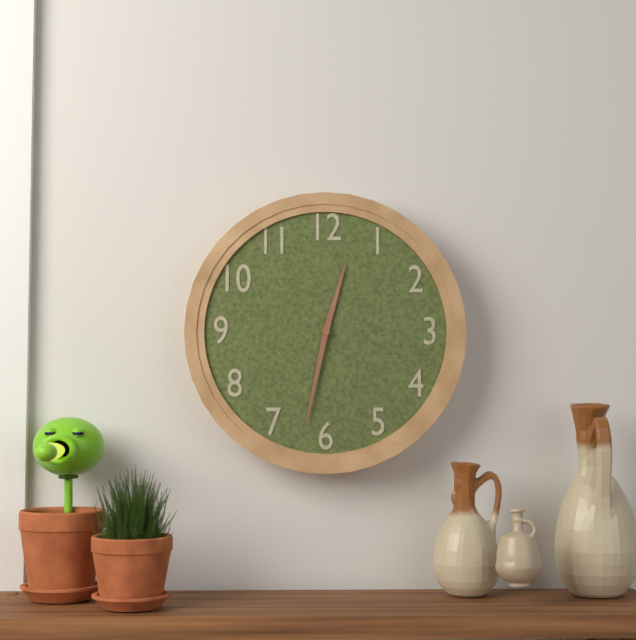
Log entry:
h=12 m=32
